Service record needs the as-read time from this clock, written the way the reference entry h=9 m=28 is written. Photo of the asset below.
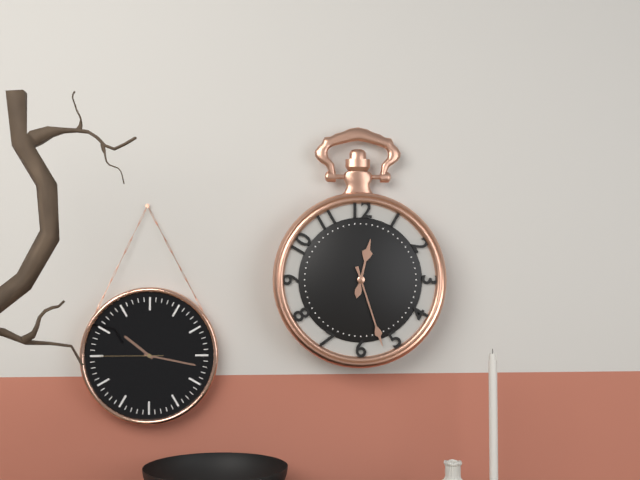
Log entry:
h=12 m=27
